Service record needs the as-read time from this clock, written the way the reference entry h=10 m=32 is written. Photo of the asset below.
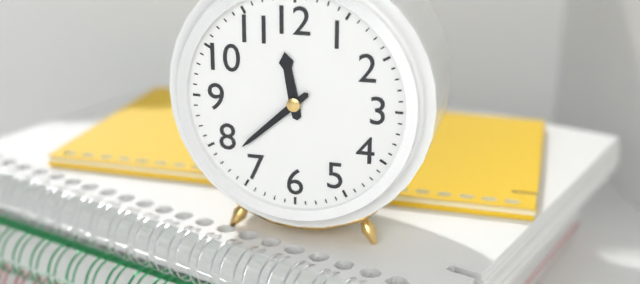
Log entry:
h=11 m=38
